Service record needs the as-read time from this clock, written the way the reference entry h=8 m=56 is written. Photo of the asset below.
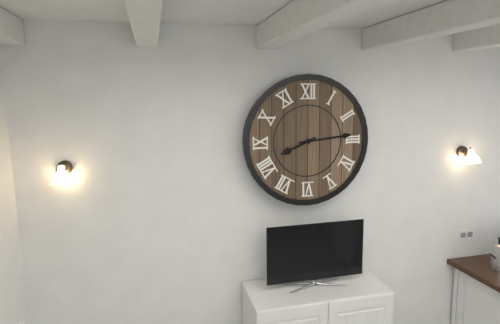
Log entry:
h=8 m=14
